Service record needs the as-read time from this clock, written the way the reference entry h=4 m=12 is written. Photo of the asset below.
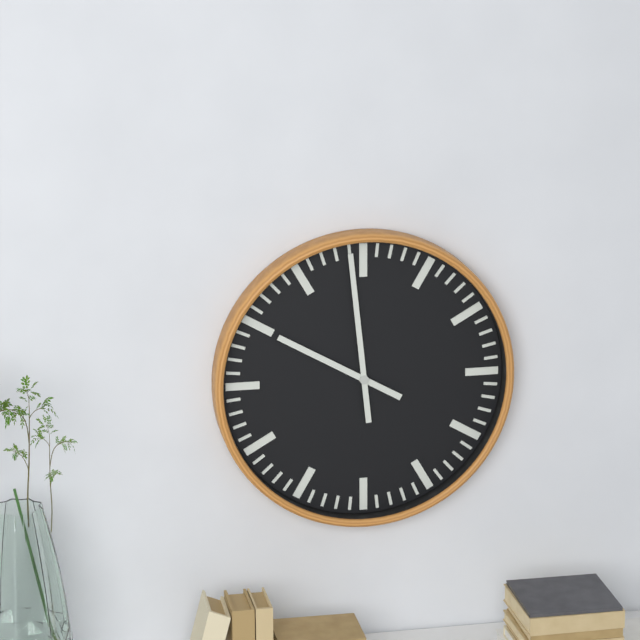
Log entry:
h=9 m=59
